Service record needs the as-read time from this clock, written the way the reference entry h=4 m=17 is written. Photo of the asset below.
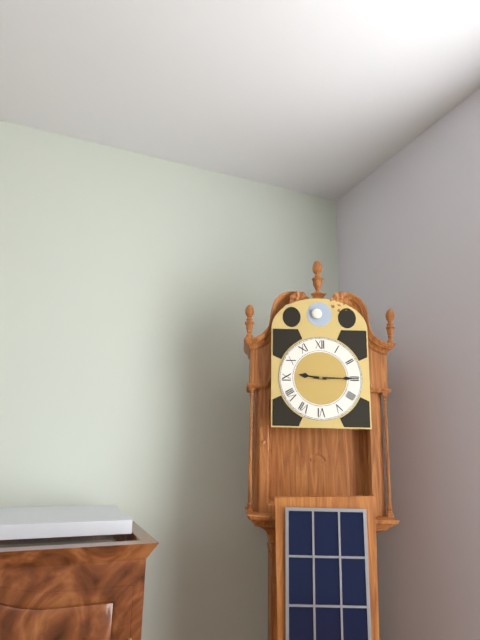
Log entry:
h=9 m=15
